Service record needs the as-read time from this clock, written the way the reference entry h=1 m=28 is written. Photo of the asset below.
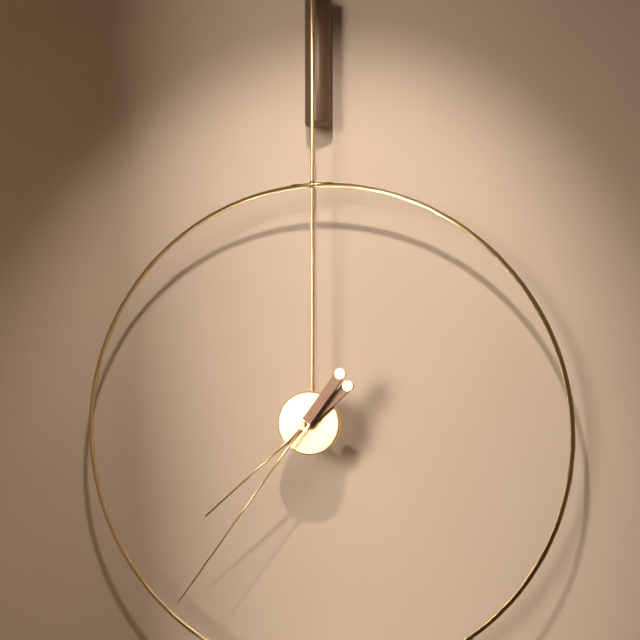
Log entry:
h=7 m=36
